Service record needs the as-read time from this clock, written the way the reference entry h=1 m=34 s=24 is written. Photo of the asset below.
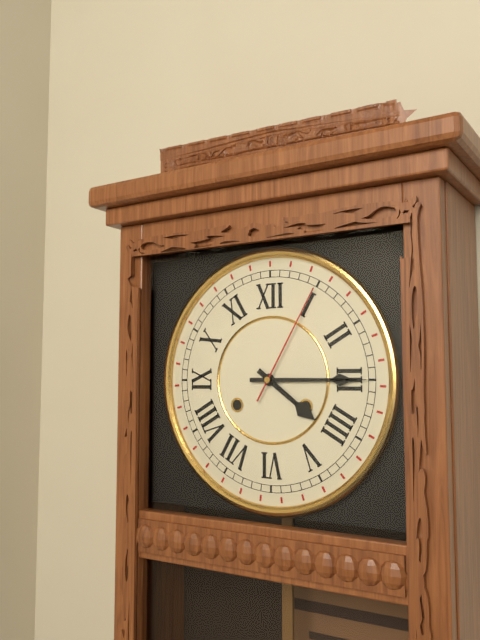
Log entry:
h=4 m=15 s=5
